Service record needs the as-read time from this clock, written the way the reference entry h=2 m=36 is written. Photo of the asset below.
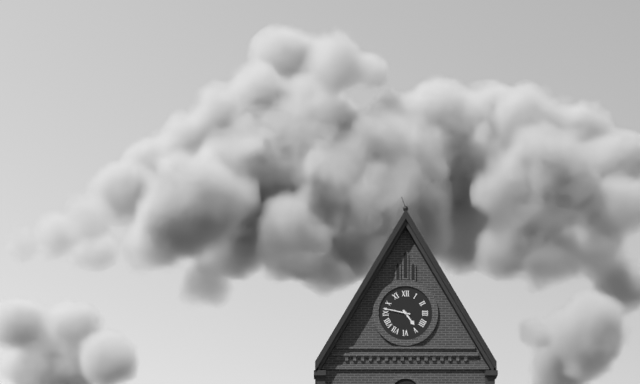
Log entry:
h=4 m=47
